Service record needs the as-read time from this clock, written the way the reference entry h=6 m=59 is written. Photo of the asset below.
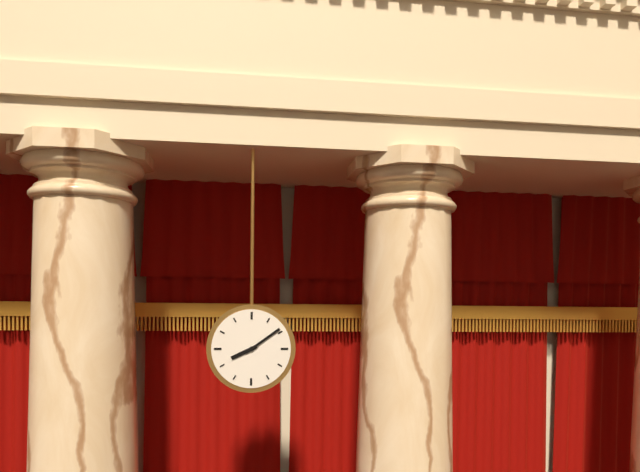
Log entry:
h=8 m=9
